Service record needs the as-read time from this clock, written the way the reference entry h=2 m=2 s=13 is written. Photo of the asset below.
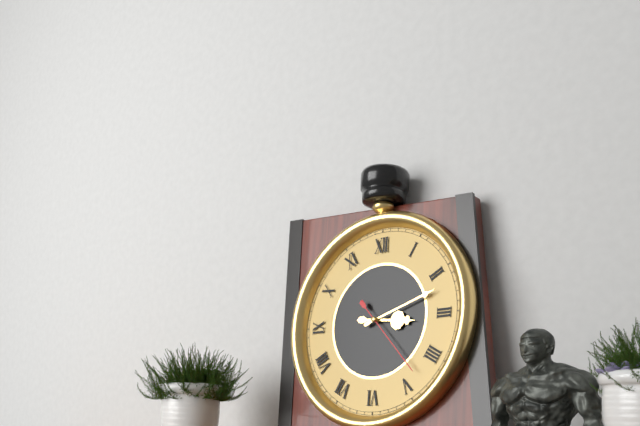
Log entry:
h=3 m=12 s=23
